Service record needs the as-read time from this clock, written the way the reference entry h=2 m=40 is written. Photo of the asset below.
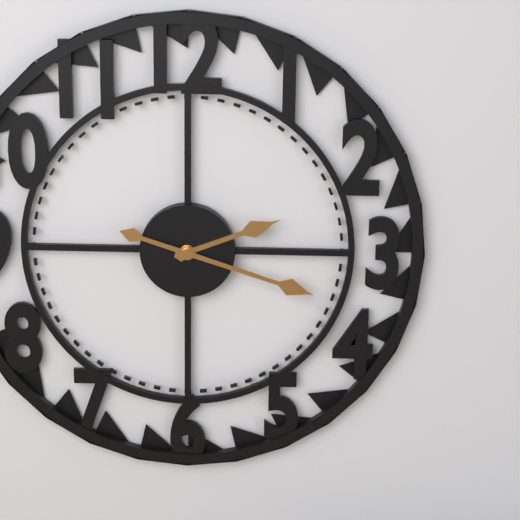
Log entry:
h=2 m=18
